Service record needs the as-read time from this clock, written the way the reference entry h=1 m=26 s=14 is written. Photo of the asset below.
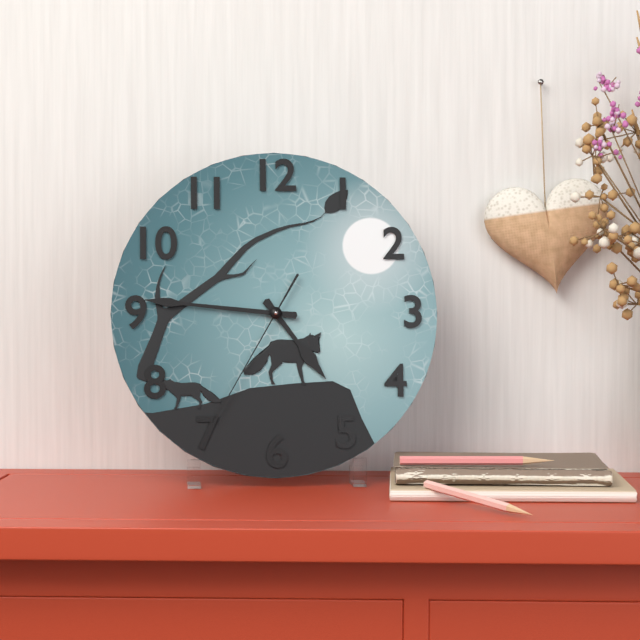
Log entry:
h=4 m=46 s=35
